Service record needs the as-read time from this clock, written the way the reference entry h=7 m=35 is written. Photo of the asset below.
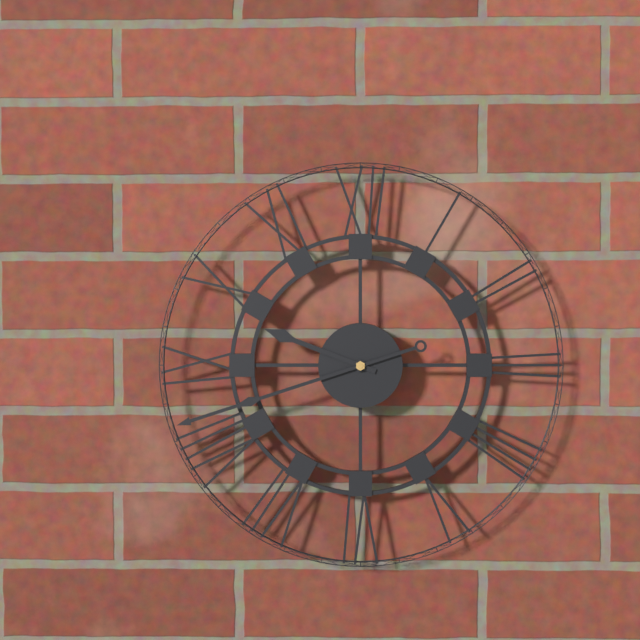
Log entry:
h=9 m=42
